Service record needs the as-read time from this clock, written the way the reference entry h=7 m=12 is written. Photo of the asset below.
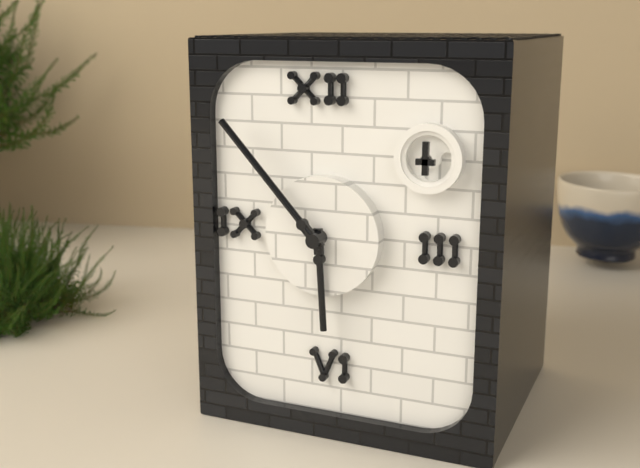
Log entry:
h=5 m=53
